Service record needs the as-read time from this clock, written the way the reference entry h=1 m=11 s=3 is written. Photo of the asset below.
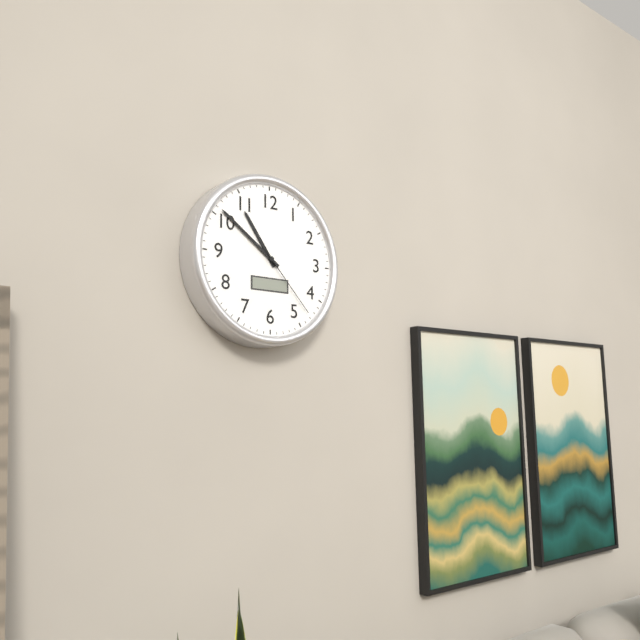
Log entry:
h=10 m=51 s=23
